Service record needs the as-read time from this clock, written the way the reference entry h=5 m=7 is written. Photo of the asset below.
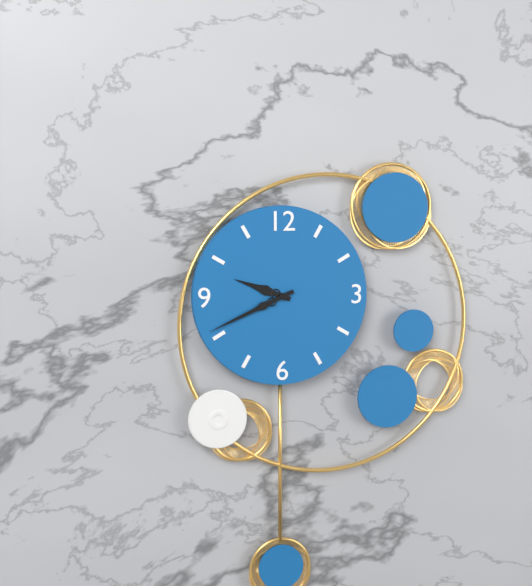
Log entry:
h=9 m=41
